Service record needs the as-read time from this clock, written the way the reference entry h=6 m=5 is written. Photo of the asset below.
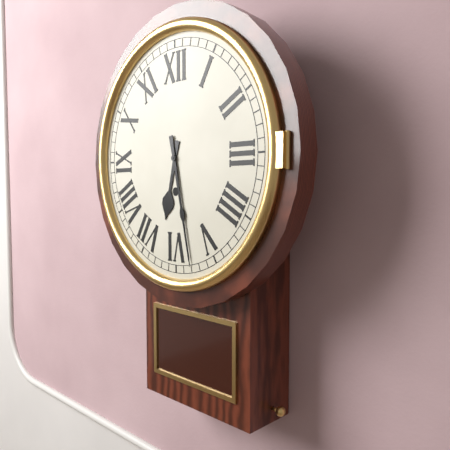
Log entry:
h=6 m=28
